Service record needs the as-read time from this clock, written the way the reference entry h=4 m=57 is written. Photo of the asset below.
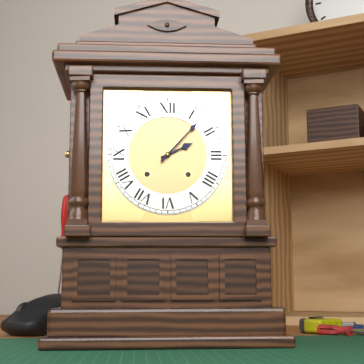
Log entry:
h=2 m=7
